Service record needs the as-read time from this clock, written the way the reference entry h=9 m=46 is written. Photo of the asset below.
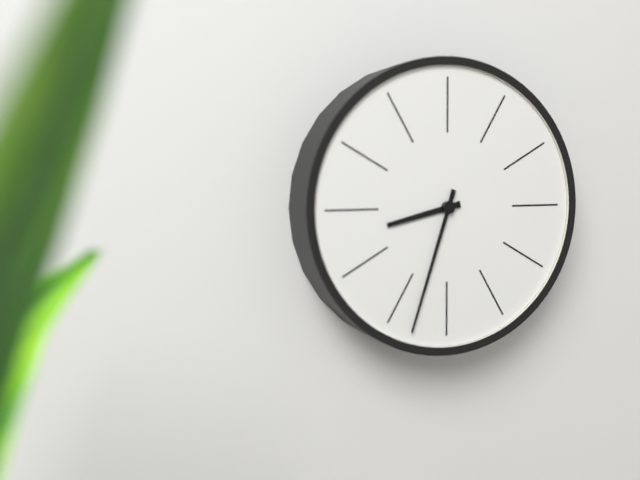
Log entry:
h=8 m=33
